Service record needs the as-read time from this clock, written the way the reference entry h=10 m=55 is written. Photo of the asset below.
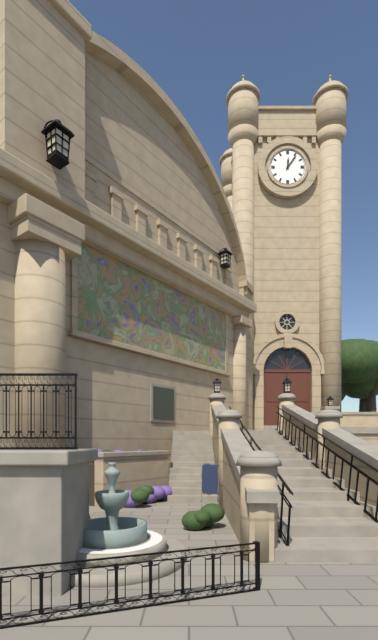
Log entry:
h=12 m=6
